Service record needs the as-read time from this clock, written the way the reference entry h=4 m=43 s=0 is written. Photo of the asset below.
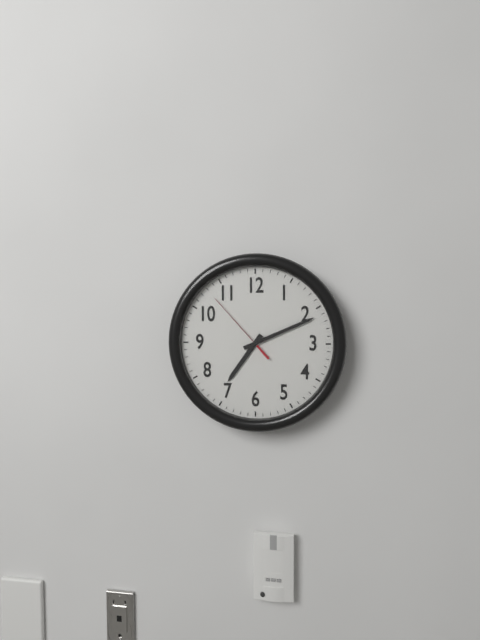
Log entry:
h=7 m=11 s=53
